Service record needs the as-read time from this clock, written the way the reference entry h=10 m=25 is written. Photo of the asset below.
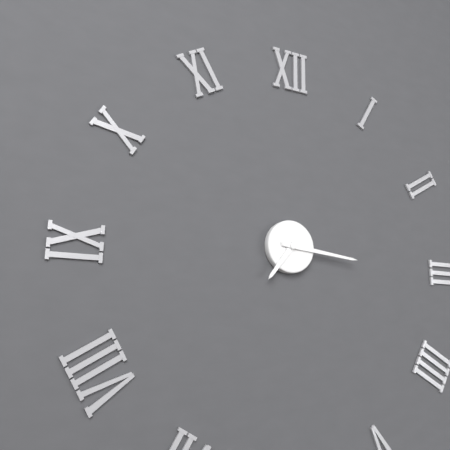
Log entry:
h=7 m=16
